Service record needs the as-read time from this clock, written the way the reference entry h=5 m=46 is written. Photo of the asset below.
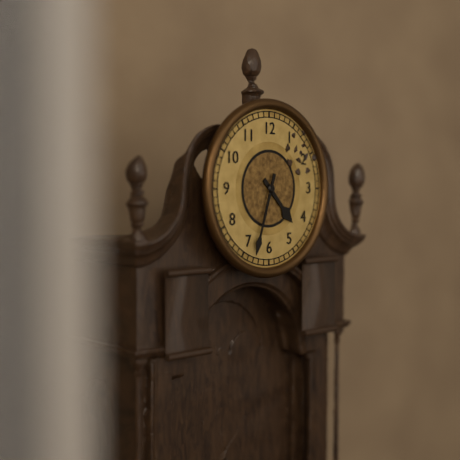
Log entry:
h=4 m=33
